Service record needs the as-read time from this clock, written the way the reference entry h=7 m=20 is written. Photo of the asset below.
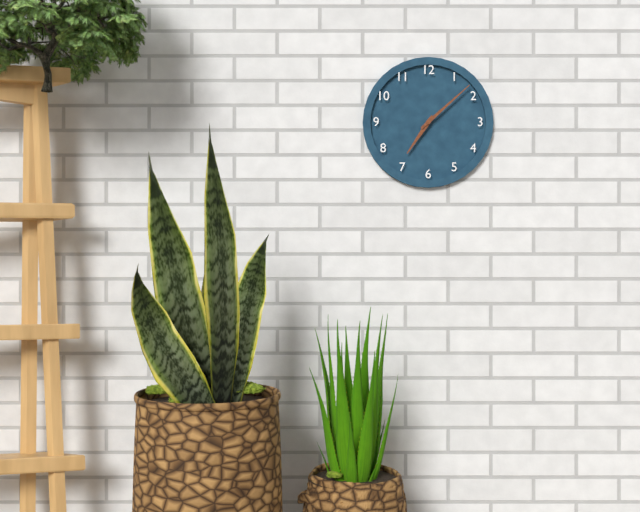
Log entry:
h=7 m=8
